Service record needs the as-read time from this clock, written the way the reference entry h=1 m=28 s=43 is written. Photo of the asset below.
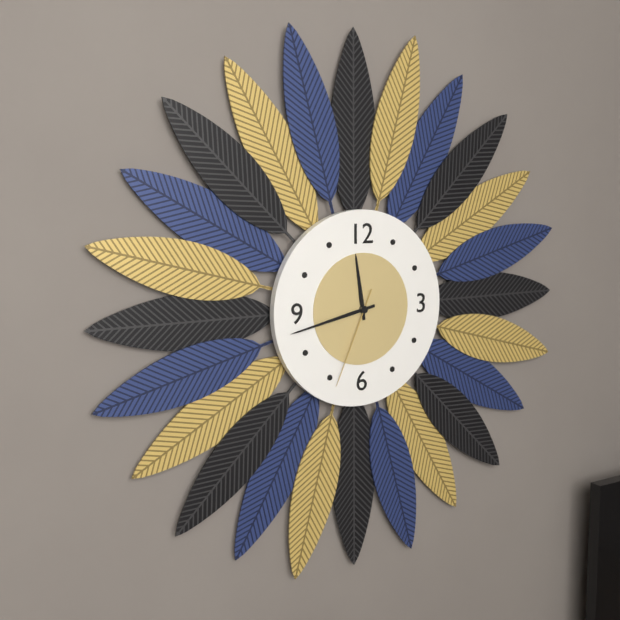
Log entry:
h=11 m=43 s=34
